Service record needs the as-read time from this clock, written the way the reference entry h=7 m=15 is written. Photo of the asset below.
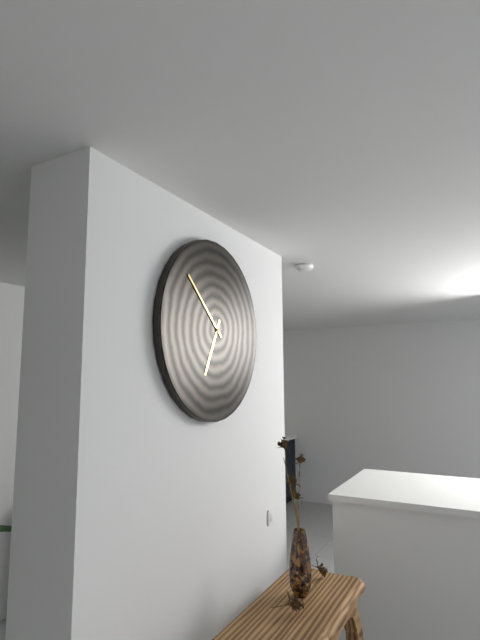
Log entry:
h=6 m=52
